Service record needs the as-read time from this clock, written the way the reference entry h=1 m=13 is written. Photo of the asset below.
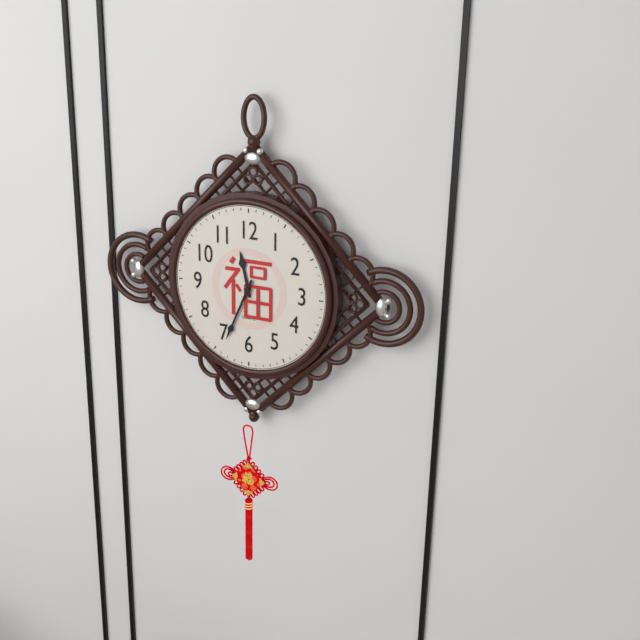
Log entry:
h=11 m=34
